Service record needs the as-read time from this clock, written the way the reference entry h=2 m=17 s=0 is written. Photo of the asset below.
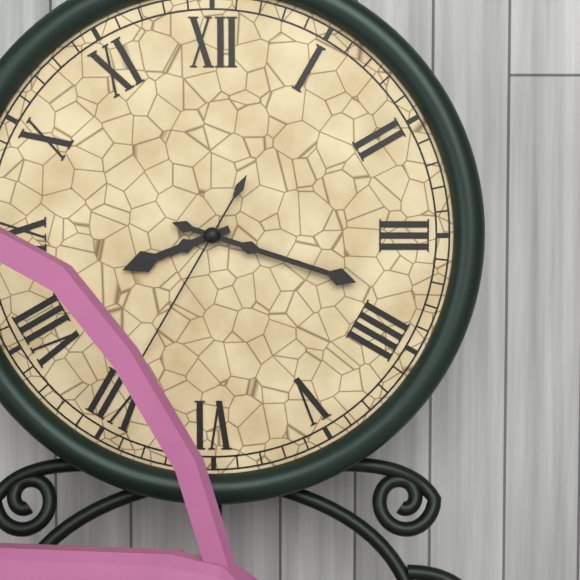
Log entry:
h=8 m=18 s=35
